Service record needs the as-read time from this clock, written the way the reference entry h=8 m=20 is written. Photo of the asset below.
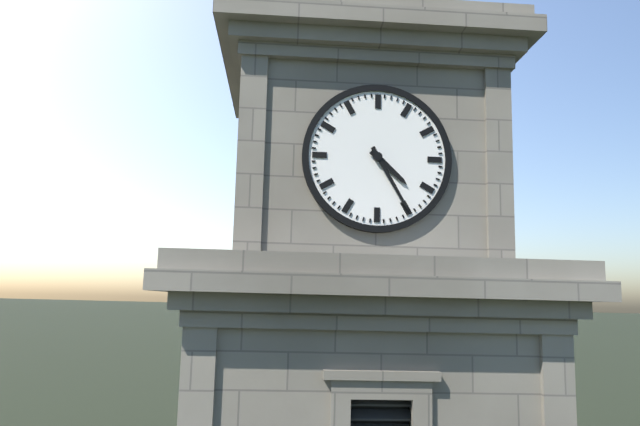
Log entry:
h=4 m=25
